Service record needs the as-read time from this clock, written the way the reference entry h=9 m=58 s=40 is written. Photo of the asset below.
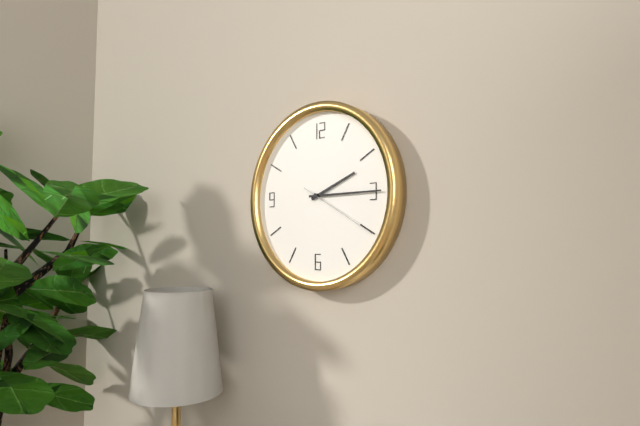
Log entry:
h=2 m=15 s=20
